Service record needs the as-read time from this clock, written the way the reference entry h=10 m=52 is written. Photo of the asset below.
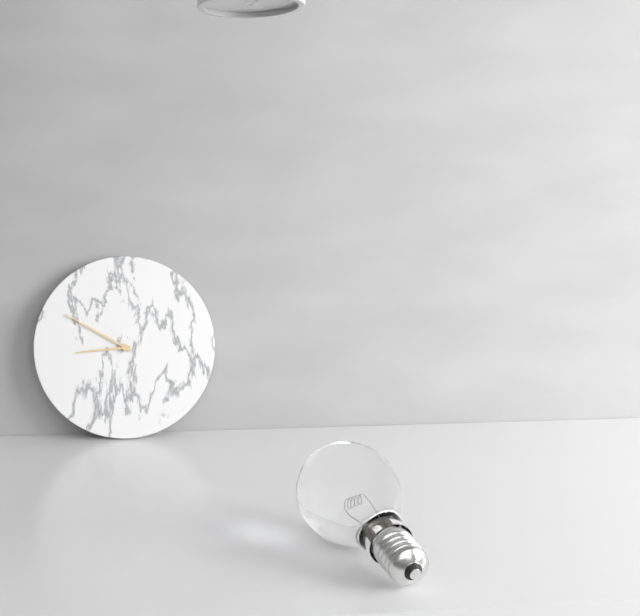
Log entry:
h=8 m=50
